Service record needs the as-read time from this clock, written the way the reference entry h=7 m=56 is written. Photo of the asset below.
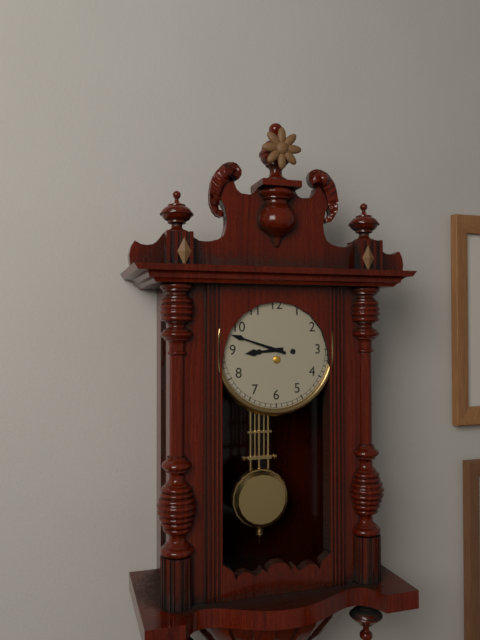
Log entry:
h=8 m=48
